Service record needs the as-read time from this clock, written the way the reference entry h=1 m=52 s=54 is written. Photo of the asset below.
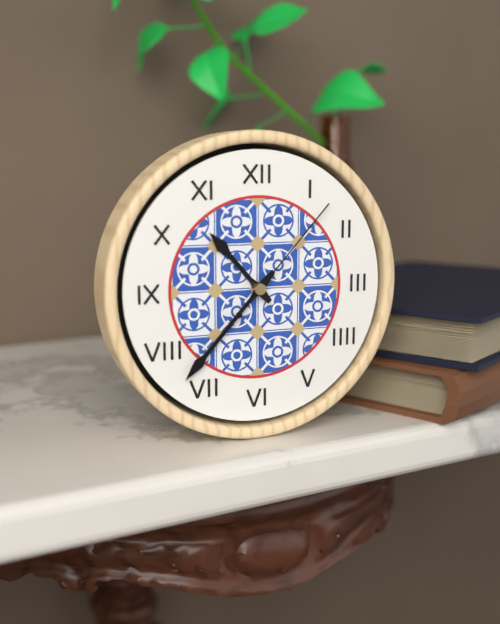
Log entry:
h=10 m=37 s=7
